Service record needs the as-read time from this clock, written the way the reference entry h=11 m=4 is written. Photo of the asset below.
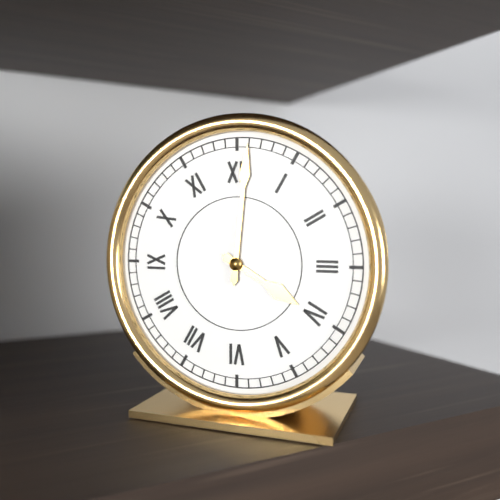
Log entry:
h=4 m=1
